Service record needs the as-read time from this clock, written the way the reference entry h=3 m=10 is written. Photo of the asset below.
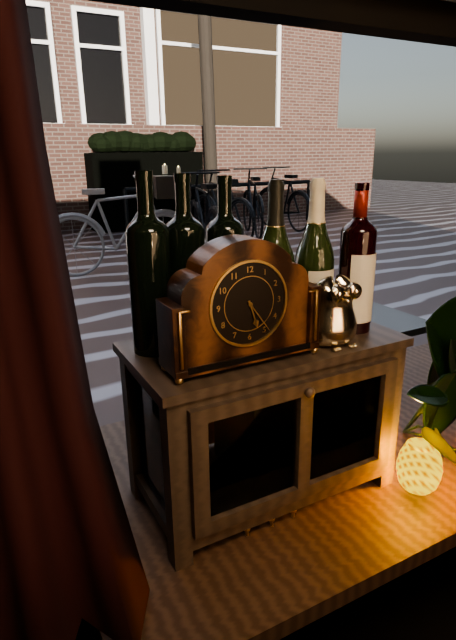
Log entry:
h=5 m=24
